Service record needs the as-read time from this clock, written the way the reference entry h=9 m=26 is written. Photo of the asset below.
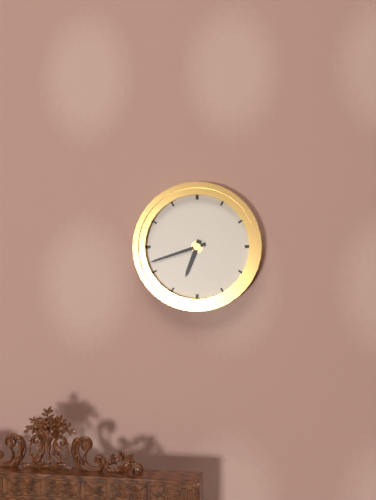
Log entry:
h=6 m=42
